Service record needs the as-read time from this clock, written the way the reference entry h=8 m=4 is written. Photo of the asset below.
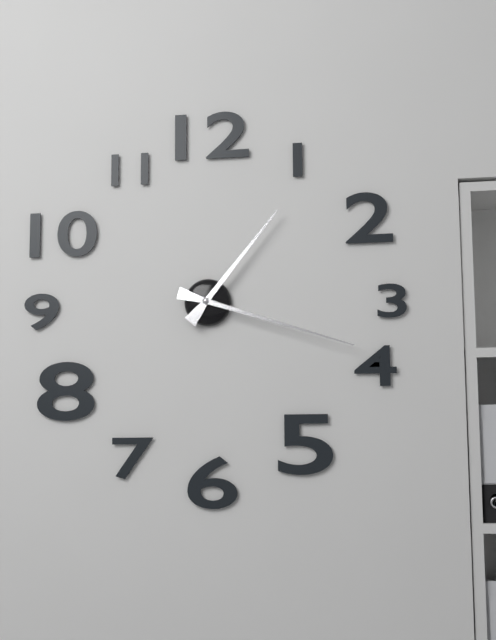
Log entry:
h=1 m=18
